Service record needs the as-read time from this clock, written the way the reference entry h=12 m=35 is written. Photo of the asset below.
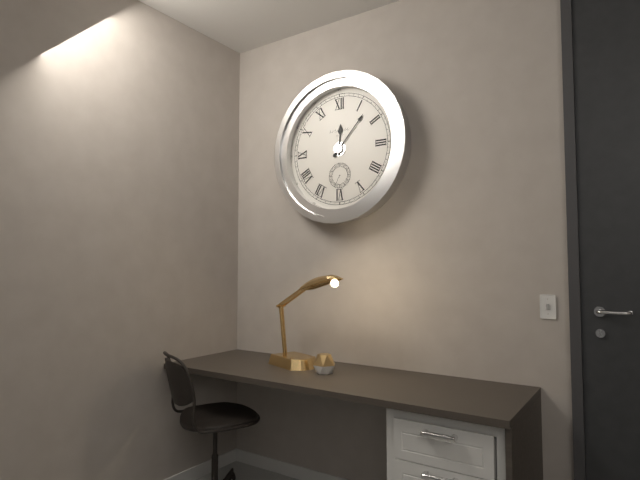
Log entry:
h=12 m=7
